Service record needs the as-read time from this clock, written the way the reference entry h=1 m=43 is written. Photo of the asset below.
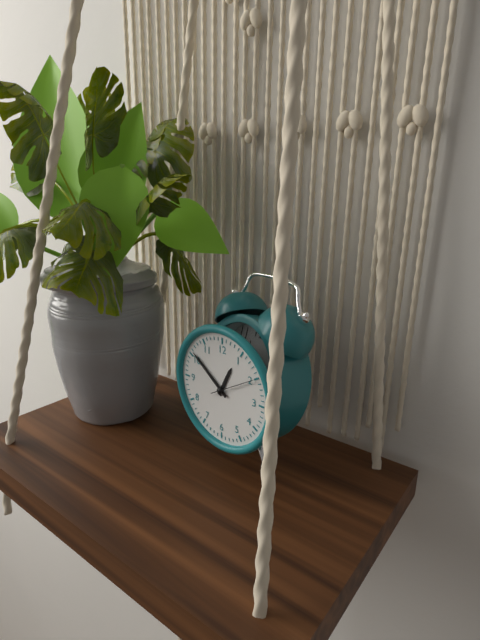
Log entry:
h=12 m=51
